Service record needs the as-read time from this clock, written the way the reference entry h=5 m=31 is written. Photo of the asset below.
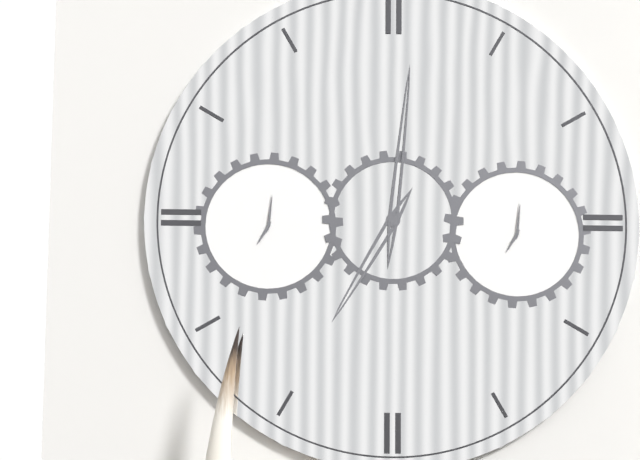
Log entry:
h=7 m=1
